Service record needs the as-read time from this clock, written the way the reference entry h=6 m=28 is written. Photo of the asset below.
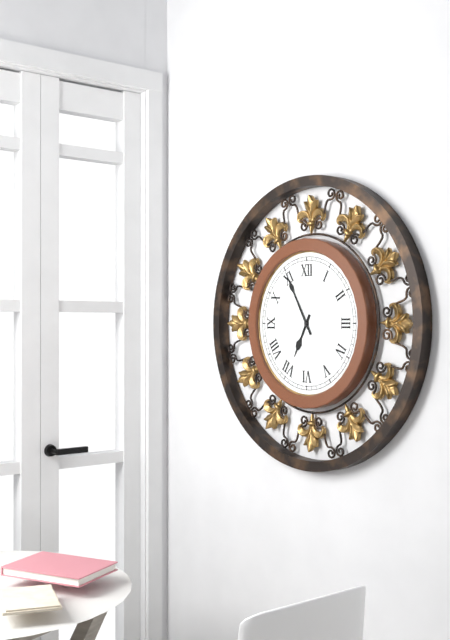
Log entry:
h=6 m=55
